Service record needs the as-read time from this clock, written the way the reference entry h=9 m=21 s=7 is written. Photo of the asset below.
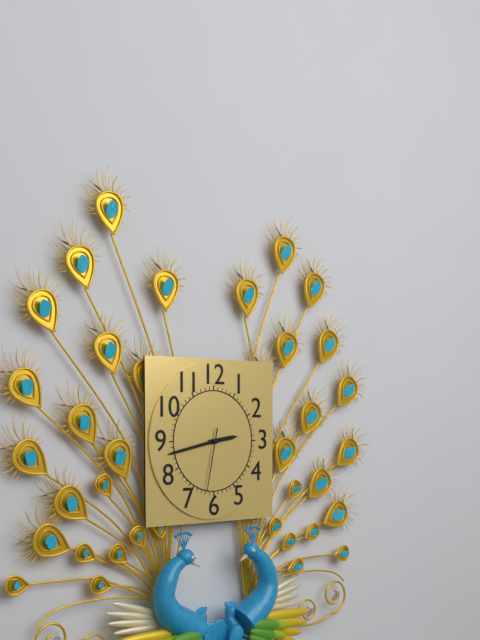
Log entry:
h=2 m=43 s=32
